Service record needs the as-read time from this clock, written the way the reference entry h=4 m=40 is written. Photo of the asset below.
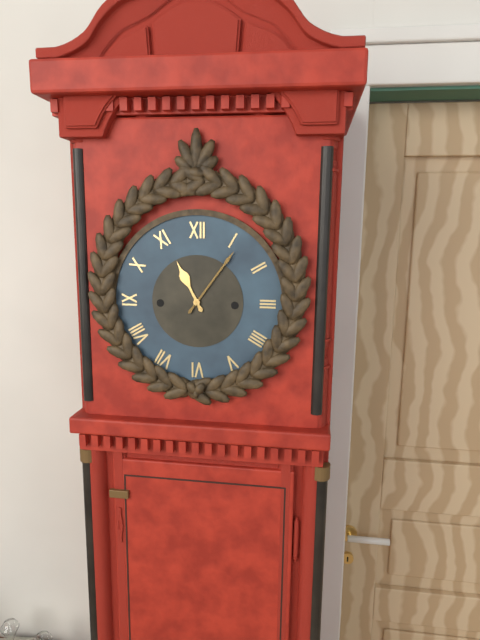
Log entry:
h=11 m=6
